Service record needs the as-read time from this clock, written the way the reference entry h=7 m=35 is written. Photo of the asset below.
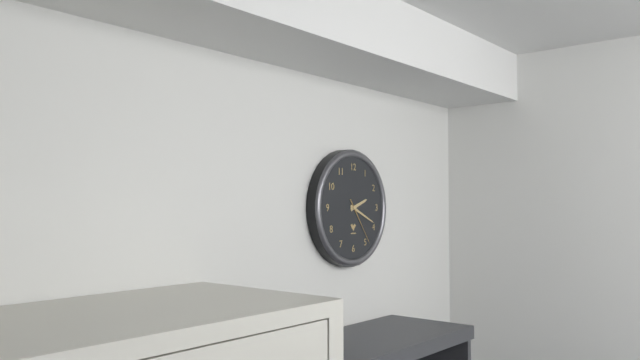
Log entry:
h=2 m=19
